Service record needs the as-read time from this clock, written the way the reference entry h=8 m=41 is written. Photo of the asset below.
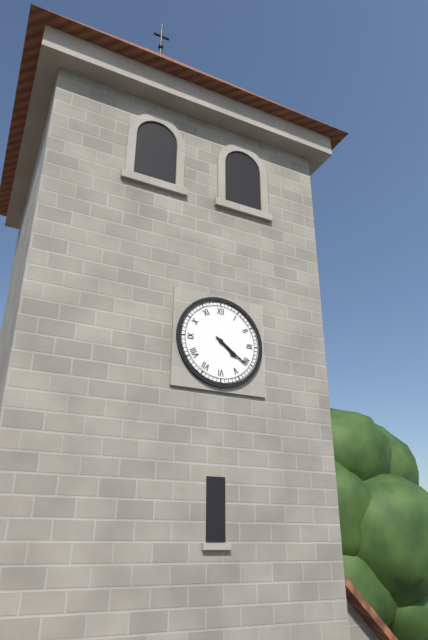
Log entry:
h=4 m=21
